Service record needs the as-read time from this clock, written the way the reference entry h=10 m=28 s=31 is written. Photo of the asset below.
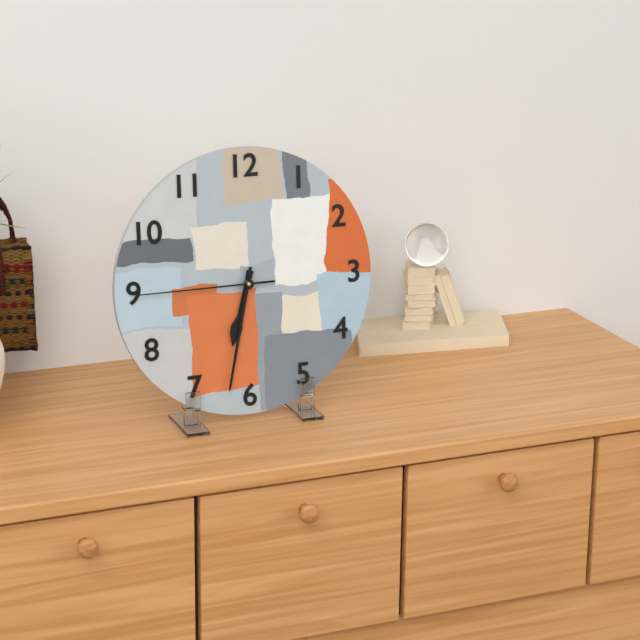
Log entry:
h=6 m=32 s=45
